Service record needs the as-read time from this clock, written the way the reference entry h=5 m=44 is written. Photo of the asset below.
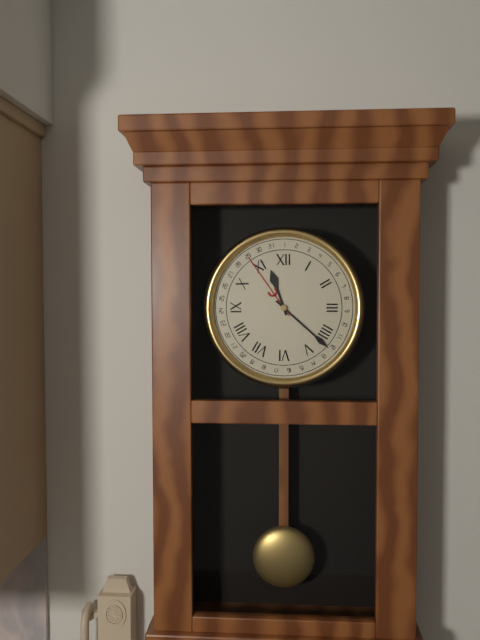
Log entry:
h=11 m=22
